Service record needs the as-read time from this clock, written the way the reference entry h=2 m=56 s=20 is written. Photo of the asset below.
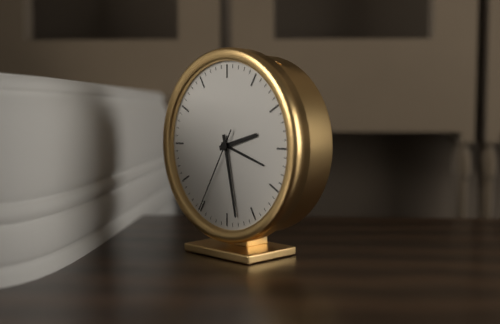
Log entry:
h=2 m=28 s=35
